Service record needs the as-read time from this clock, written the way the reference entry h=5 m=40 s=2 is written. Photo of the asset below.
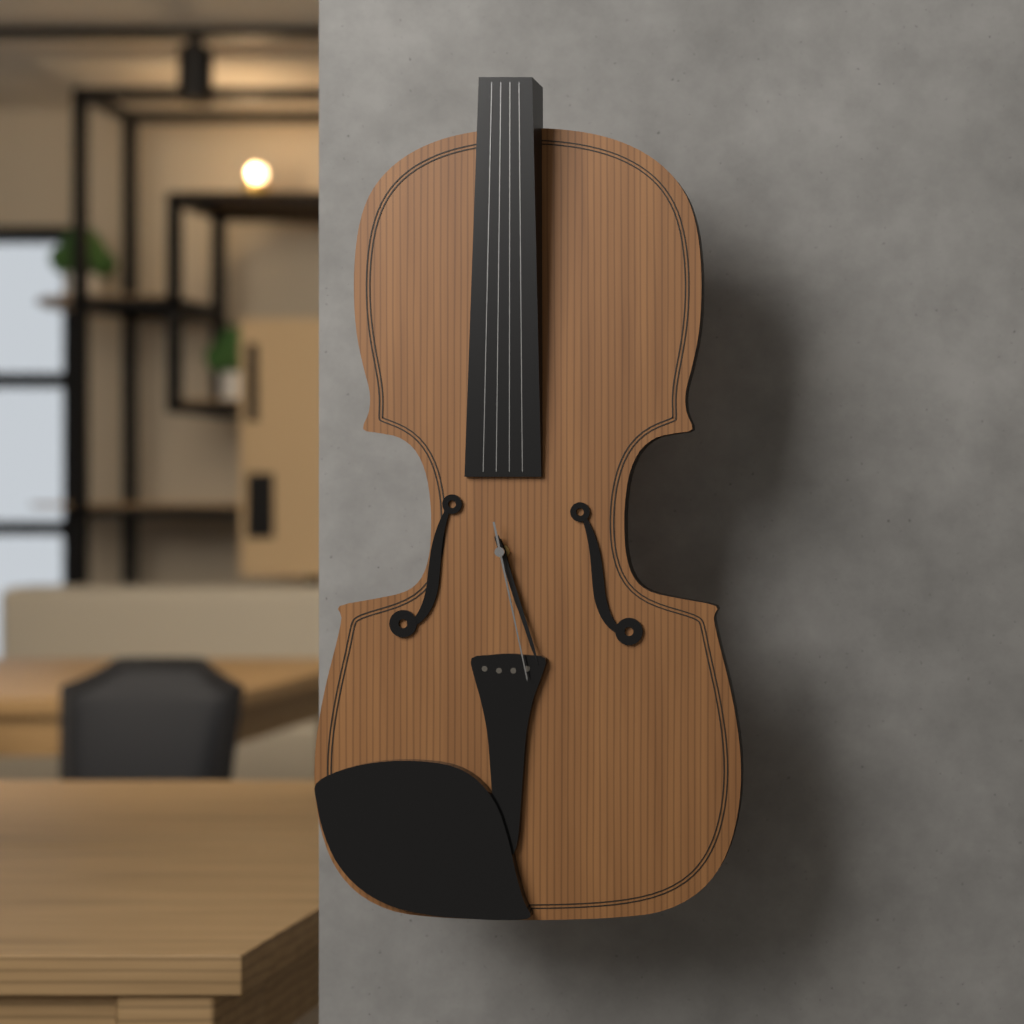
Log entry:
h=5 m=27 s=28
